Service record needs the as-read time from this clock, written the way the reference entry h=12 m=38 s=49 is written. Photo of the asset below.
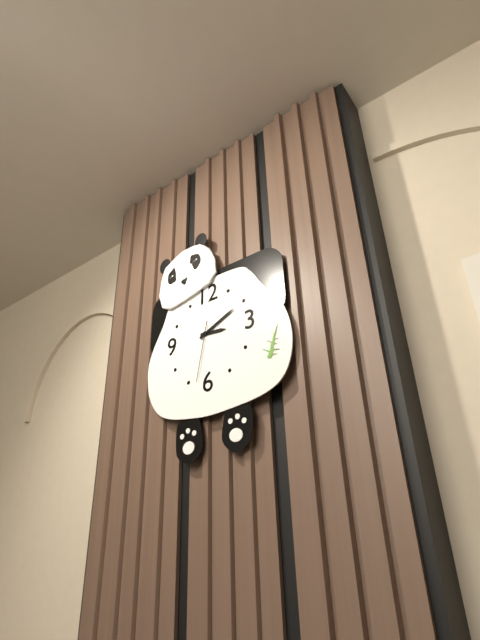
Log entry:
h=3 m=11 s=32
